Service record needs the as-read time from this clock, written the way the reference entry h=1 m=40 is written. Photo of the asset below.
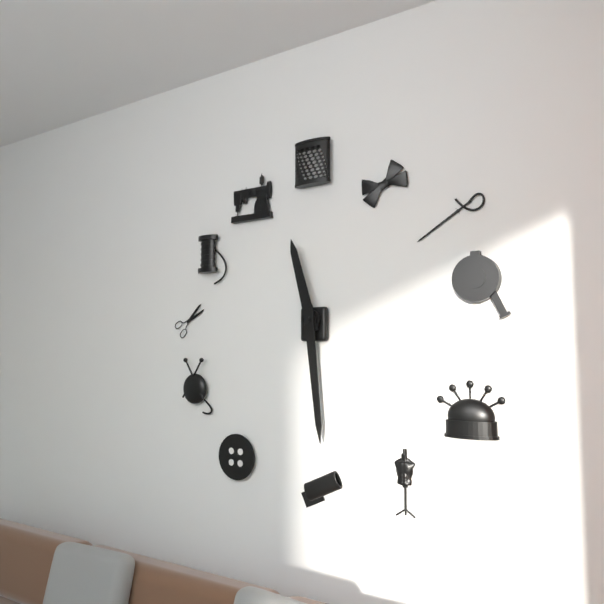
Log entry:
h=11 m=29
